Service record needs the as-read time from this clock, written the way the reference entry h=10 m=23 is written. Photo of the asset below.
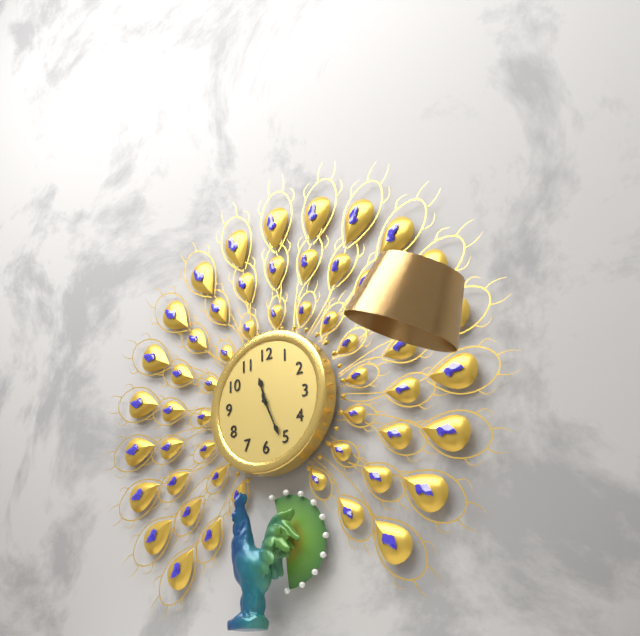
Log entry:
h=11 m=26
